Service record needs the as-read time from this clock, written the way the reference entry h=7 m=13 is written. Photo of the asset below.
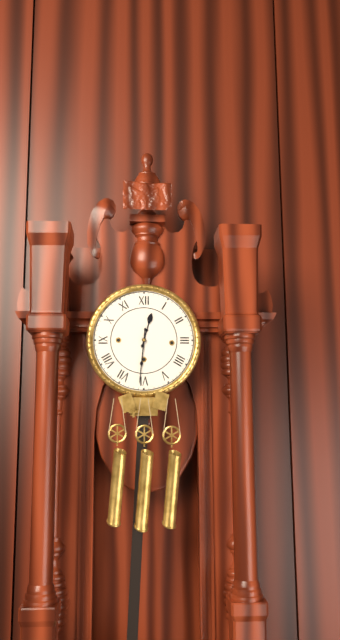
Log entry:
h=12 m=31
